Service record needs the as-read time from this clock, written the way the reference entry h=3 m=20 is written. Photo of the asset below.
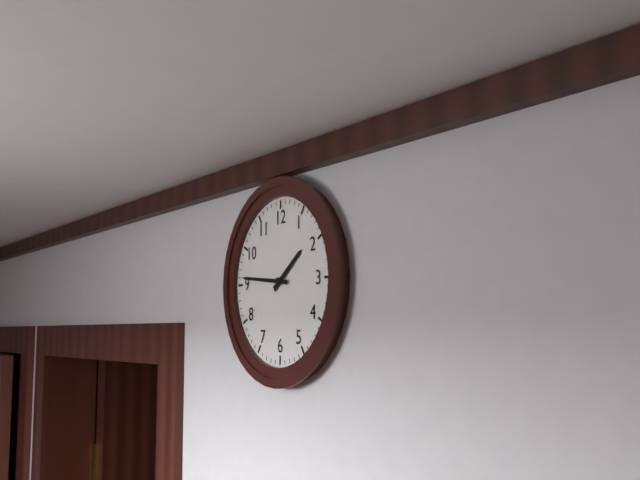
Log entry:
h=1 m=46
